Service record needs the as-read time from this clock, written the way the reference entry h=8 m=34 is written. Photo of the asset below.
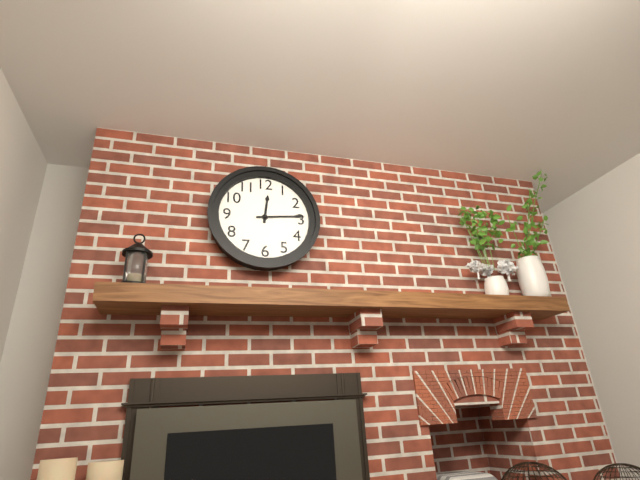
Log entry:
h=12 m=14
